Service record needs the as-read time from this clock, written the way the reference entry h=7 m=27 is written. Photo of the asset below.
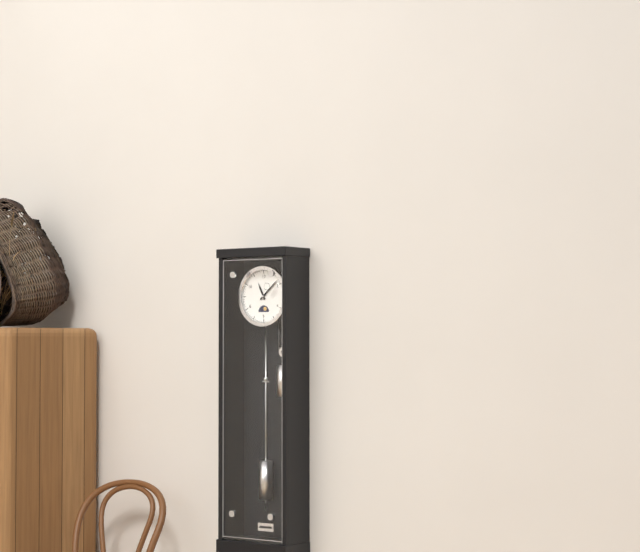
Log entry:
h=11 m=8
